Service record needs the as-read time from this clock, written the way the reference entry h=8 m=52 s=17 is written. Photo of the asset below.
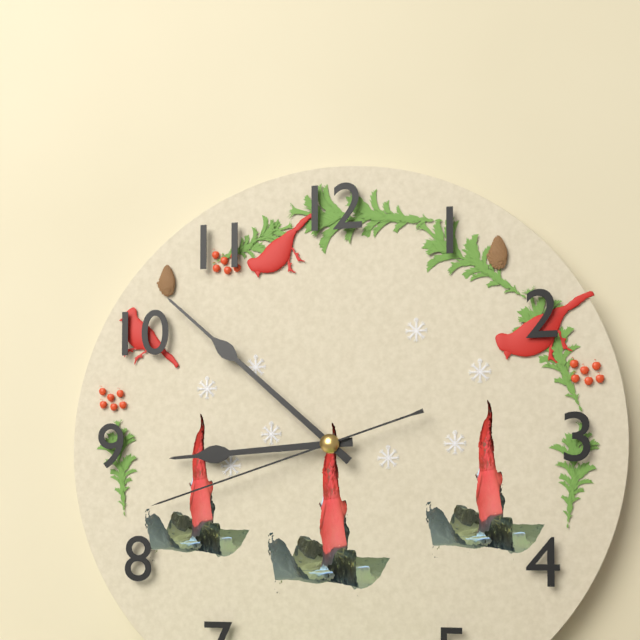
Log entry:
h=8 m=52 s=42
